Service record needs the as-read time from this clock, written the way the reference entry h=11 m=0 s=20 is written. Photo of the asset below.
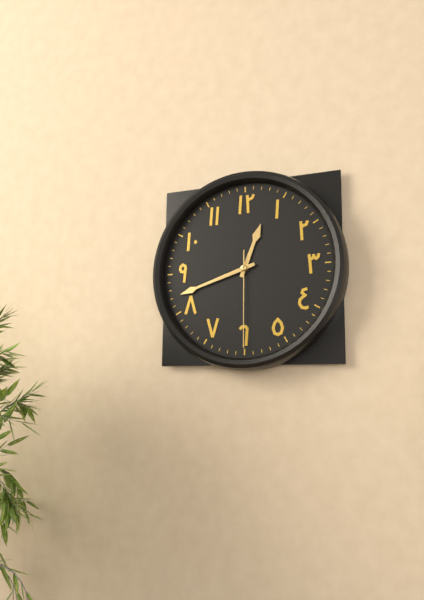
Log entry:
h=12 m=42 s=30
